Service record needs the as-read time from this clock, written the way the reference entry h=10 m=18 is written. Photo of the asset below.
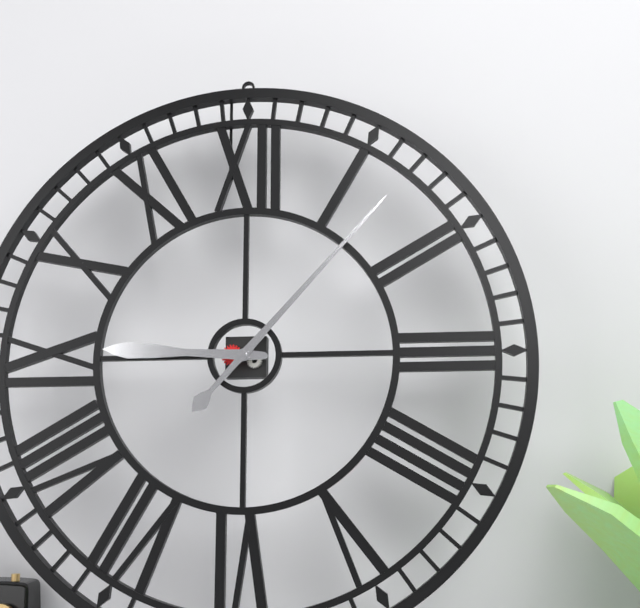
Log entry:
h=9 m=7
